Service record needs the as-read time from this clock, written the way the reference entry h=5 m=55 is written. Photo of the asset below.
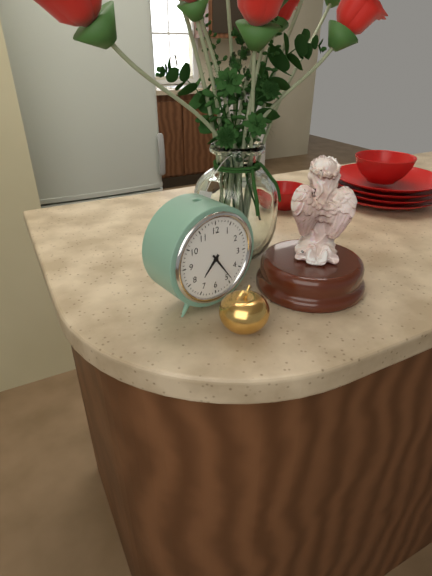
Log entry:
h=7 m=24
